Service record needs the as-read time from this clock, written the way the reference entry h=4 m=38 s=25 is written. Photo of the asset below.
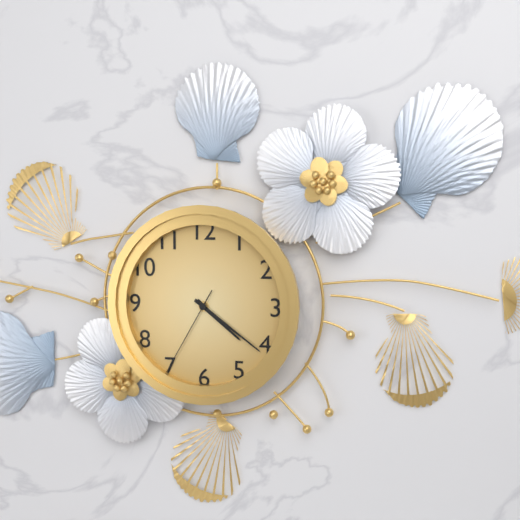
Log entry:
h=4 m=21 s=35
